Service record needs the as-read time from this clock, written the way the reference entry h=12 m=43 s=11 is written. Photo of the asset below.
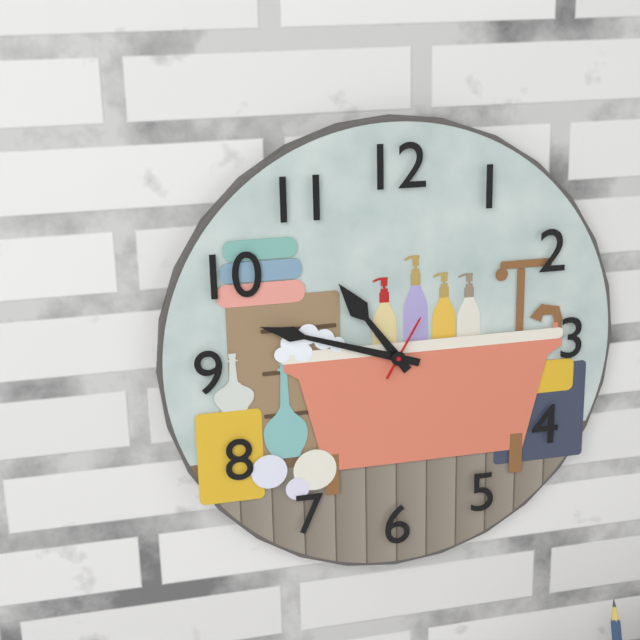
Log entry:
h=10 m=48 s=5
